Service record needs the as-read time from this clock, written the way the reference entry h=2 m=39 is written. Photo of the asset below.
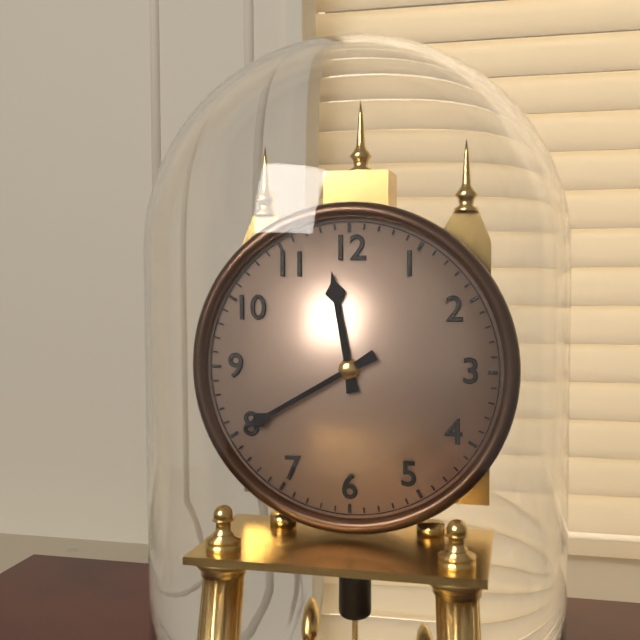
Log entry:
h=11 m=40
